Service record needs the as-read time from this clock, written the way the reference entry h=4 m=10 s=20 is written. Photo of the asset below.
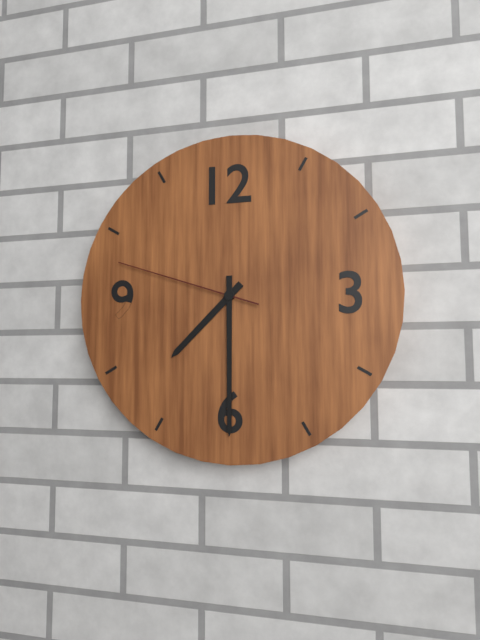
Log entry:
h=7 m=30 s=48
